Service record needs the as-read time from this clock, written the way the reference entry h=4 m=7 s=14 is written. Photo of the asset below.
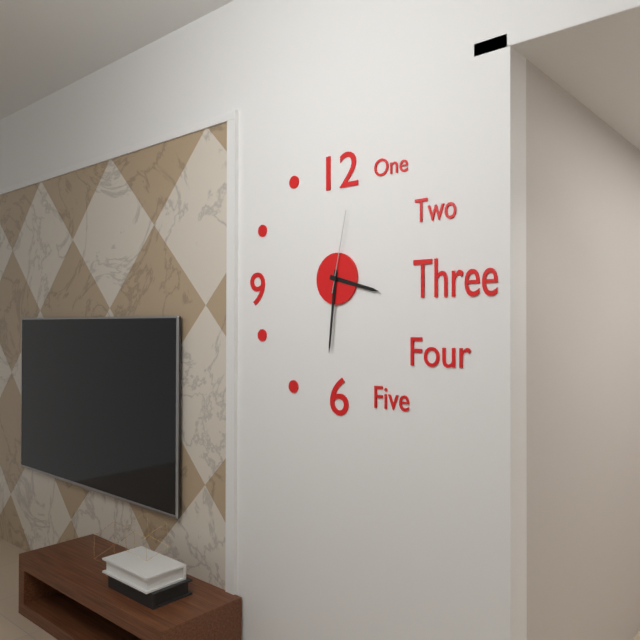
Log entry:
h=3 m=31 s=2
